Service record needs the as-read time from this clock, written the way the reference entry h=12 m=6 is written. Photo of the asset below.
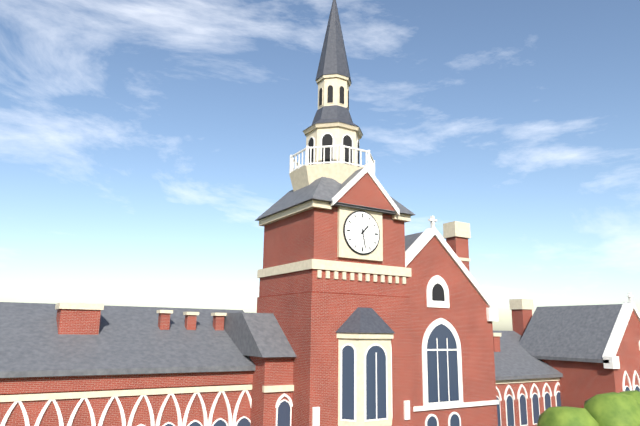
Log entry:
h=1 m=28
